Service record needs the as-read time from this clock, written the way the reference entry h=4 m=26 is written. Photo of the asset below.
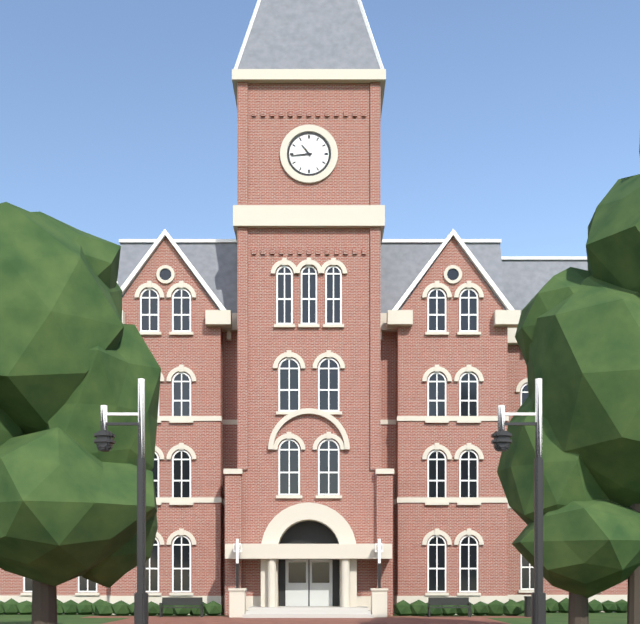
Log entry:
h=10 m=44
